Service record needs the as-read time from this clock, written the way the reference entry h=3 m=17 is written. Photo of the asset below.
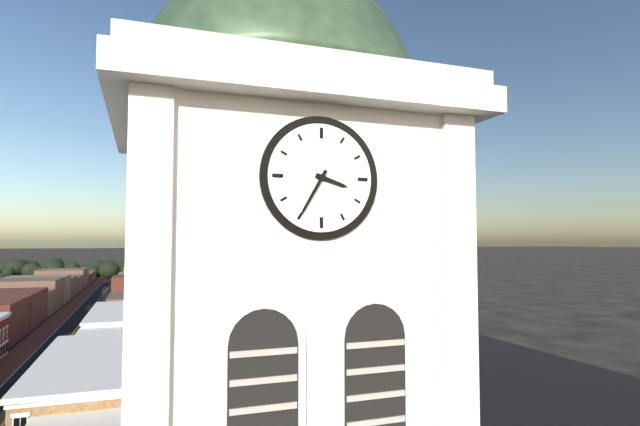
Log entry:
h=3 m=35
